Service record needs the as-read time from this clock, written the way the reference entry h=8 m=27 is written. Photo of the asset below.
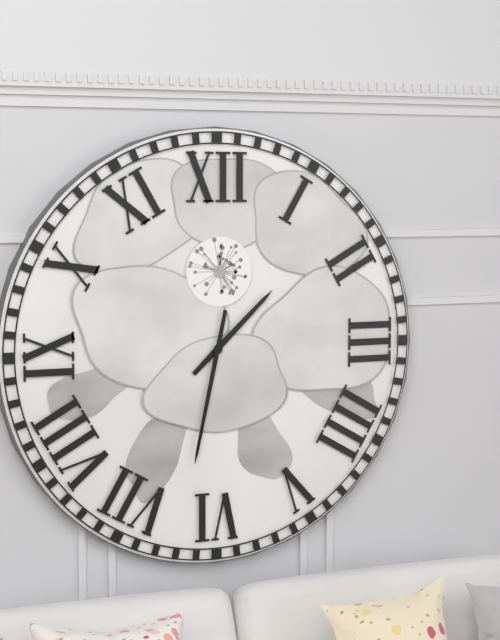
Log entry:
h=1 m=32
